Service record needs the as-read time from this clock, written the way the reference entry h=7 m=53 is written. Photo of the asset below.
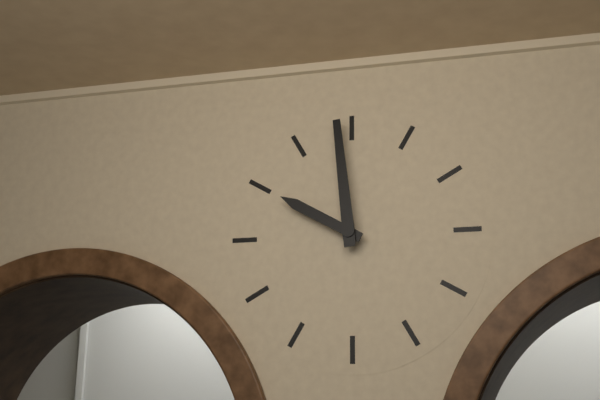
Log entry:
h=9 m=59
